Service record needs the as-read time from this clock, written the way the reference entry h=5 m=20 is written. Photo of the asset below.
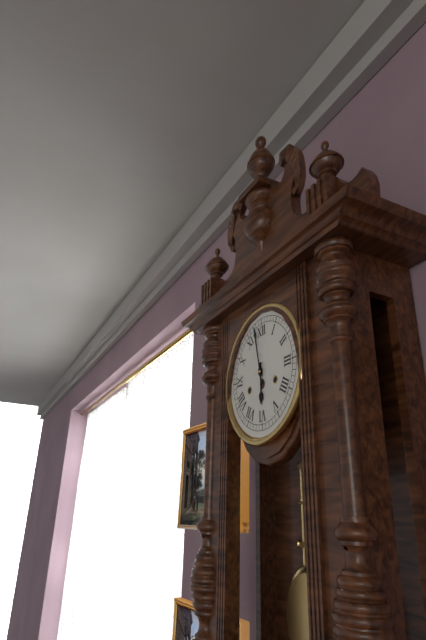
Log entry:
h=5 m=58
